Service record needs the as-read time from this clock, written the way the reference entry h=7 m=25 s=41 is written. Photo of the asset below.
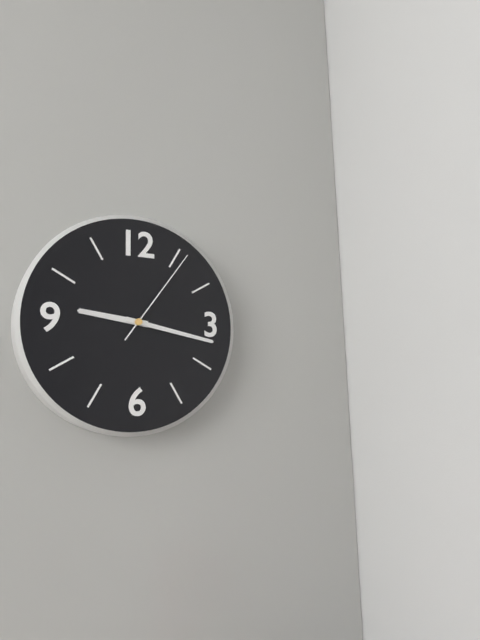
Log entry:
h=9 m=17 s=6
